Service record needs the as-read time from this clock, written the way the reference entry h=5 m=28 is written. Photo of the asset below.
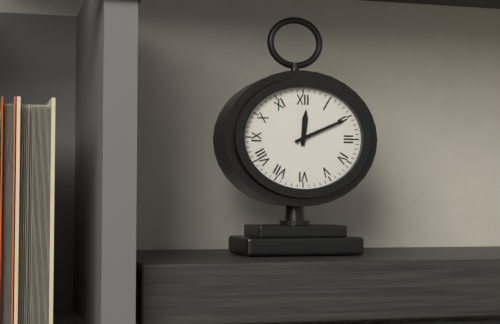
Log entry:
h=12 m=11
